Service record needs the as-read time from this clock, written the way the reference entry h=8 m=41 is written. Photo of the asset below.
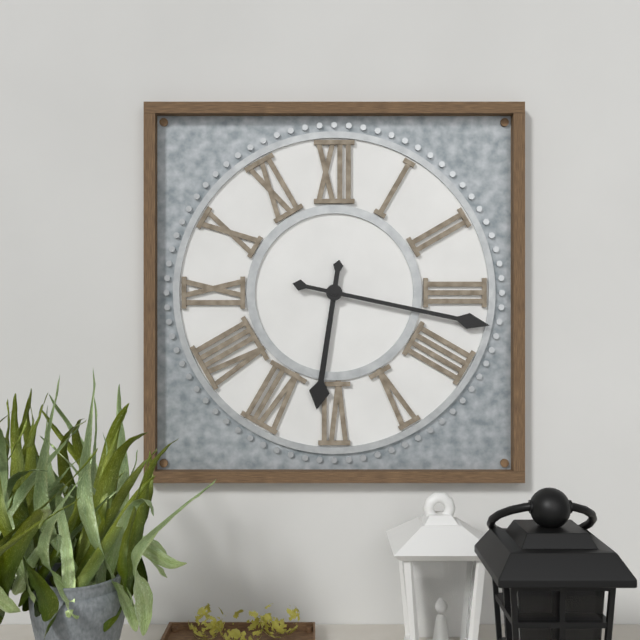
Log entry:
h=6 m=17
